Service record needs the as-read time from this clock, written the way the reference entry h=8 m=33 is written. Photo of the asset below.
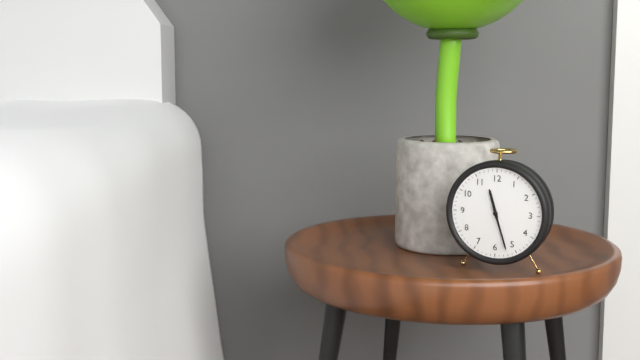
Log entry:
h=11 m=27
